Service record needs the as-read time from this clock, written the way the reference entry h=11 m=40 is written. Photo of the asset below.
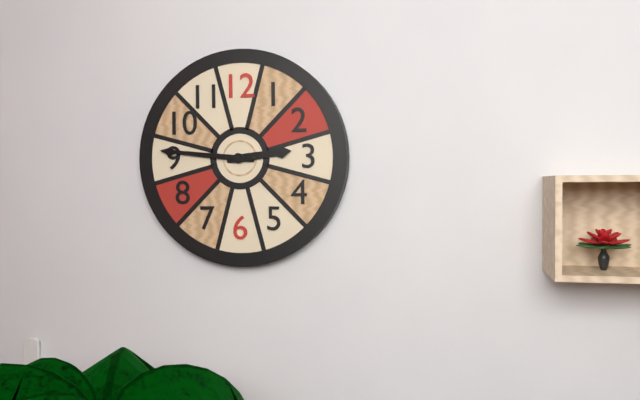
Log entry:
h=2 m=46
